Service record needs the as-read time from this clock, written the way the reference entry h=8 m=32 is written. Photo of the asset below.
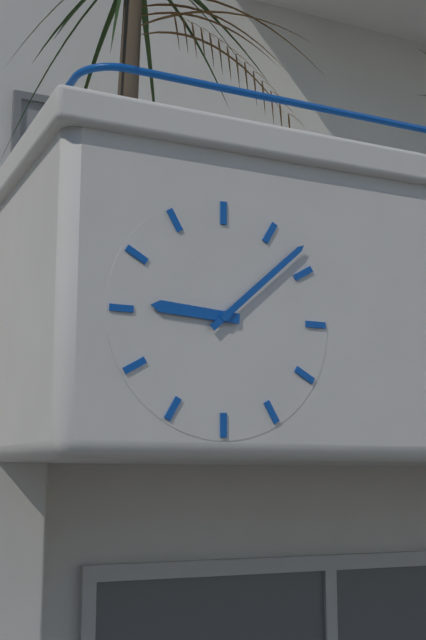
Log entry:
h=9 m=8
